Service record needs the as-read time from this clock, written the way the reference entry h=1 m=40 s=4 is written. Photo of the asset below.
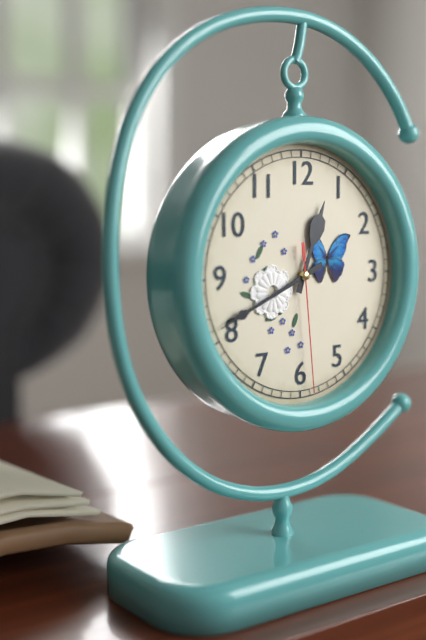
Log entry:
h=12 m=41 s=29
